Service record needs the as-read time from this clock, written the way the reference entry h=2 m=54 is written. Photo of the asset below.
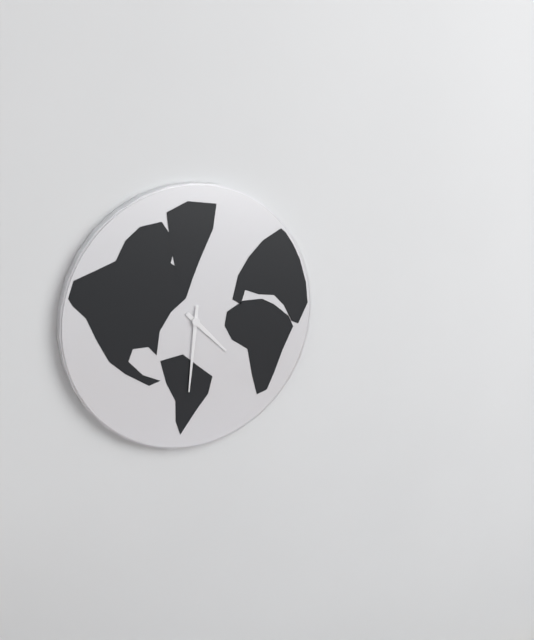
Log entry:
h=4 m=31
